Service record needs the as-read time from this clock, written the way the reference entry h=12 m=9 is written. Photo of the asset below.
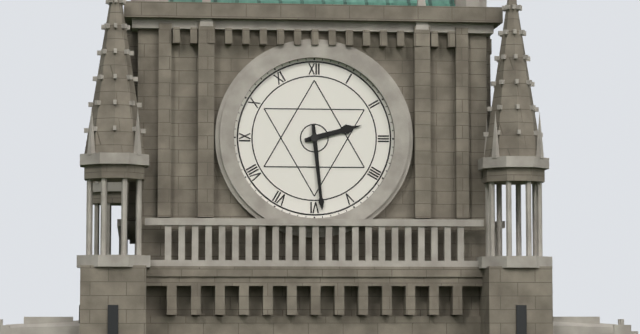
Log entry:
h=2 m=29
